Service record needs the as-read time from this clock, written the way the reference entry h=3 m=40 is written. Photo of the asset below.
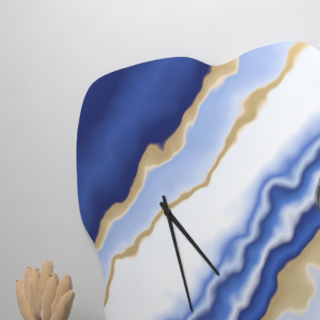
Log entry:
h=4 m=27
